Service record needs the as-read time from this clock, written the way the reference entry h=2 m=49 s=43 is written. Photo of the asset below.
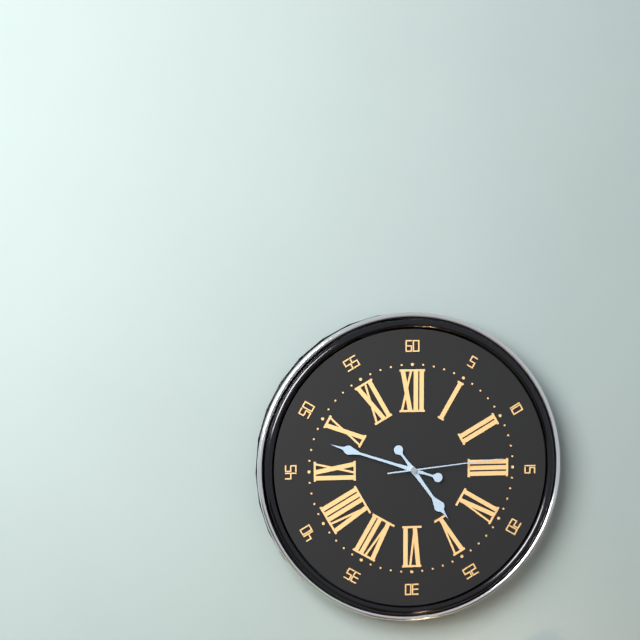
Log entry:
h=4 m=48 s=14
